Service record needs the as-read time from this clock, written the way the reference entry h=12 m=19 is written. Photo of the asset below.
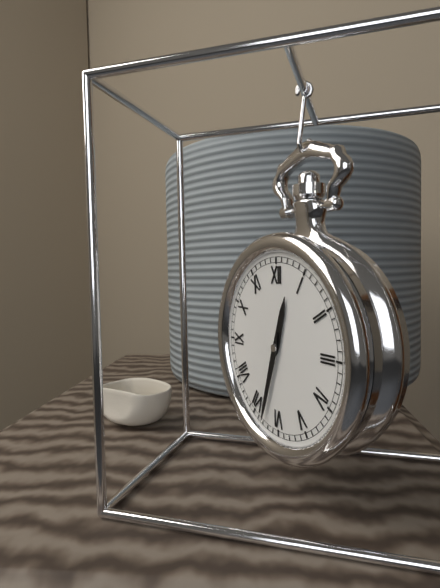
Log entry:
h=12 m=33
